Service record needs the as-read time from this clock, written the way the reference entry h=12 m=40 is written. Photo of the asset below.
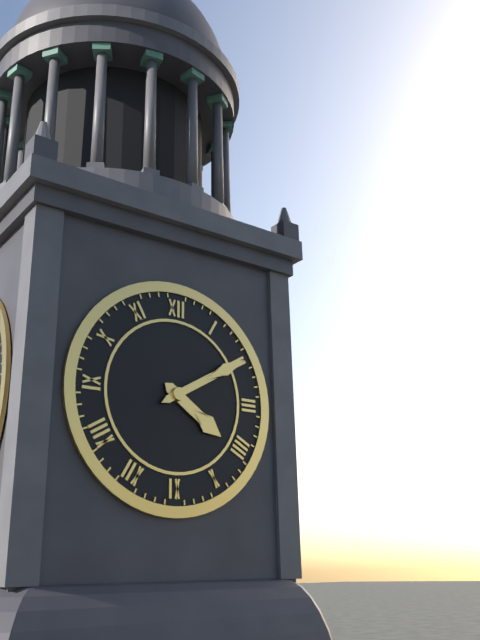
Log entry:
h=4 m=10
